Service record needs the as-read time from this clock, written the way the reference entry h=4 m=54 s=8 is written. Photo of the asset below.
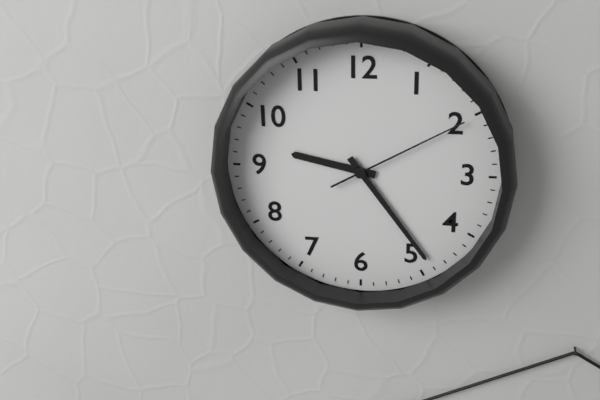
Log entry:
h=9 m=24 s=10
